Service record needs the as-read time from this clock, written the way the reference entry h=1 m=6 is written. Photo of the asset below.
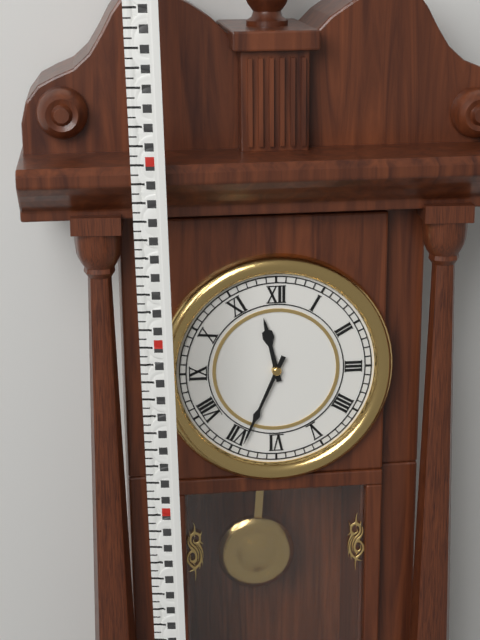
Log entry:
h=11 m=34
